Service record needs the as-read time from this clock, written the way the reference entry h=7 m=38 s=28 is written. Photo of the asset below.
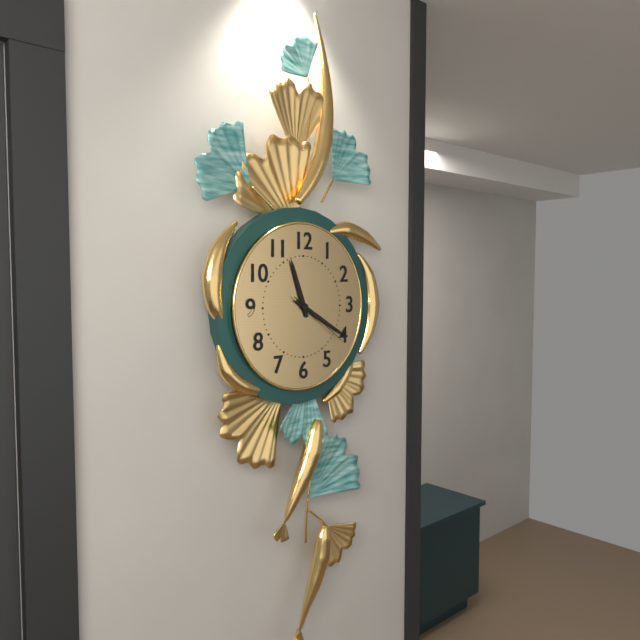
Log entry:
h=11 m=20 s=21
